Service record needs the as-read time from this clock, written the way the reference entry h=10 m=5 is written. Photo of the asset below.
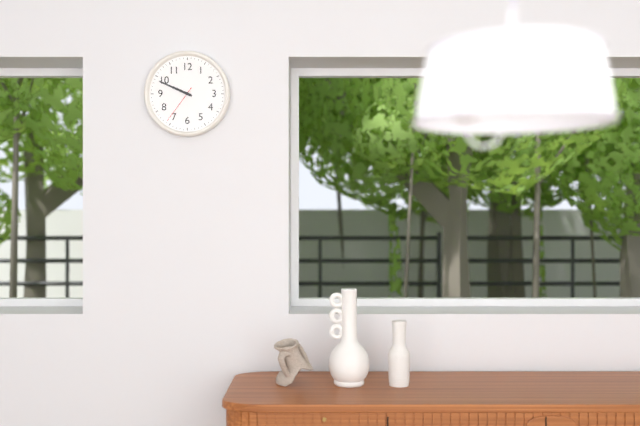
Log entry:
h=9 m=49
